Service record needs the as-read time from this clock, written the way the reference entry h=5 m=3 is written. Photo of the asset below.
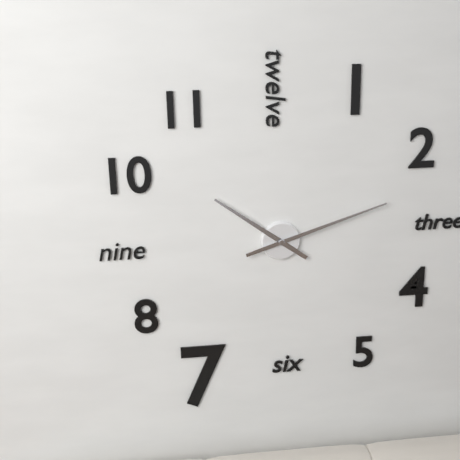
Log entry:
h=10 m=12
